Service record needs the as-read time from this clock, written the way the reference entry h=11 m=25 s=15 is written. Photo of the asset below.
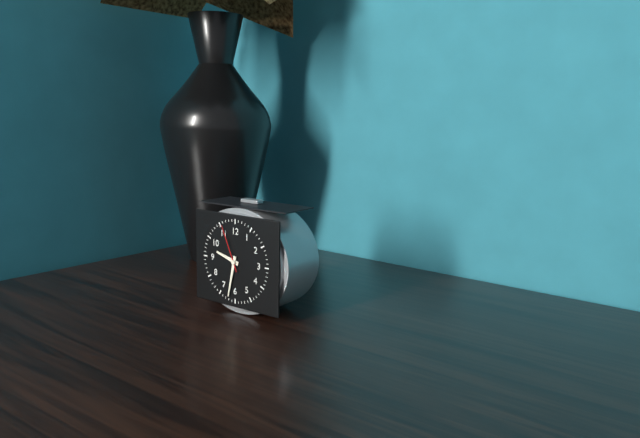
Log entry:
h=9 m=32 s=56
